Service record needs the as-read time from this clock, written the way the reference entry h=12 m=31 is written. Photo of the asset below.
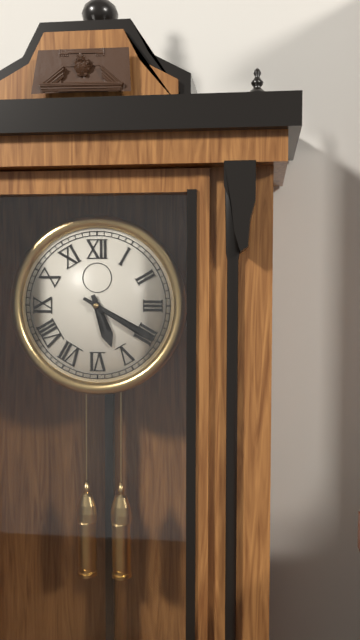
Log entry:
h=5 m=20
